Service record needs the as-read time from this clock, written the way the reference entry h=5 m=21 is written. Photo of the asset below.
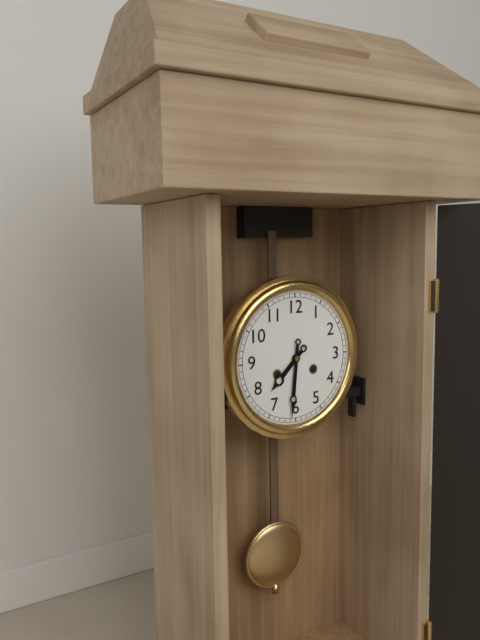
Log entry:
h=7 m=31
